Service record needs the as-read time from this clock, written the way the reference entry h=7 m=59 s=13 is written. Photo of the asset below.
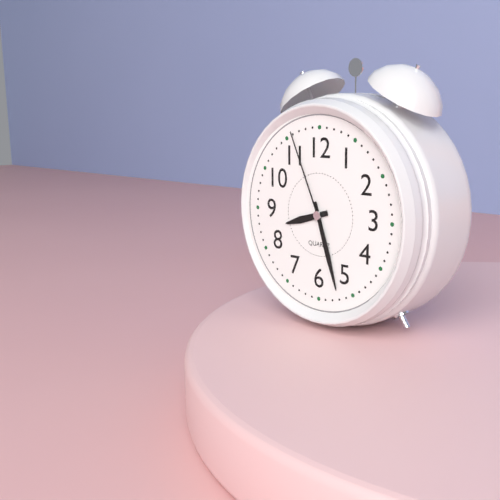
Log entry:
h=8 m=27 s=56
